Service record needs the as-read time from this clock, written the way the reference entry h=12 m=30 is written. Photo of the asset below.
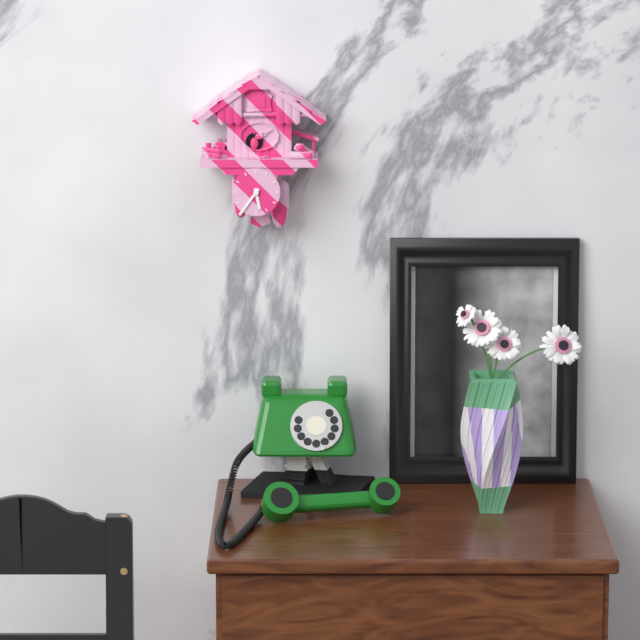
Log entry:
h=5 m=36
